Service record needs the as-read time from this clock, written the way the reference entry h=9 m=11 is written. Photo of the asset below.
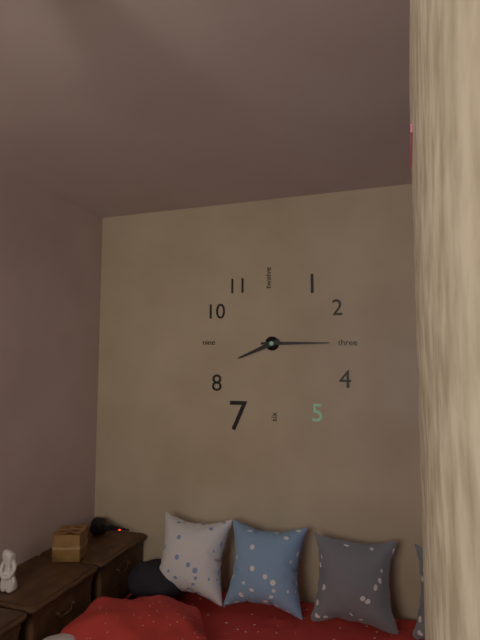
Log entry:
h=8 m=15
